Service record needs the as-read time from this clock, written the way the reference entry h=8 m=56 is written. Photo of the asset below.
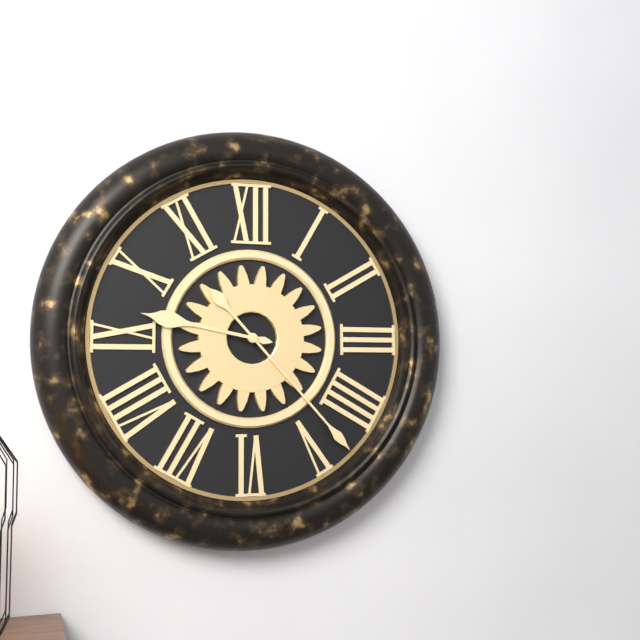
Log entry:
h=9 m=23
